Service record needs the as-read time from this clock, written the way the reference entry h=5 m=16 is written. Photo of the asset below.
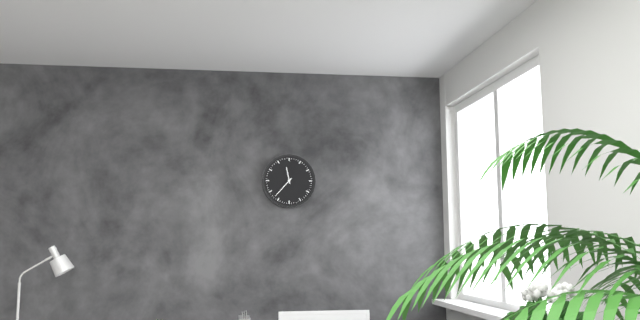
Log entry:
h=11 m=37
